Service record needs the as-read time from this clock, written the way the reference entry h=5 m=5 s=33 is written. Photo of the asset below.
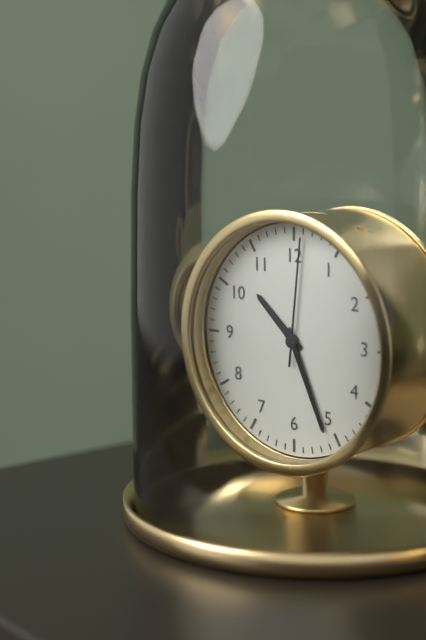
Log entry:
h=10 m=26 s=1
